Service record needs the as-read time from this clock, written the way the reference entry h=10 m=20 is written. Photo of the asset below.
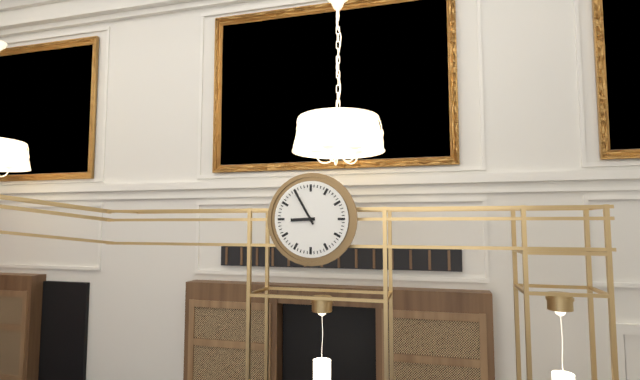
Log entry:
h=8 m=55
